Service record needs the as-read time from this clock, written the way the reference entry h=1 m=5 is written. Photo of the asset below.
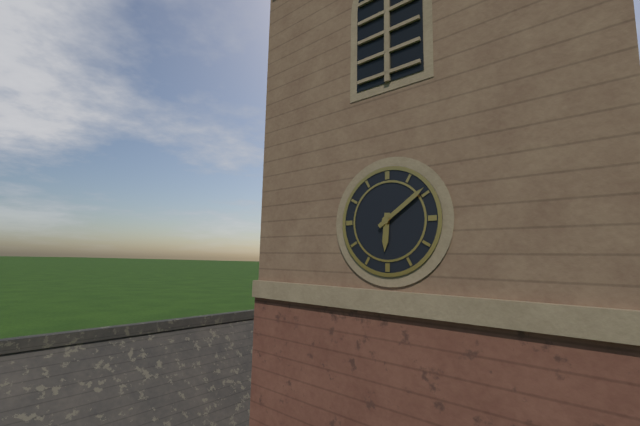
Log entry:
h=6 m=9
